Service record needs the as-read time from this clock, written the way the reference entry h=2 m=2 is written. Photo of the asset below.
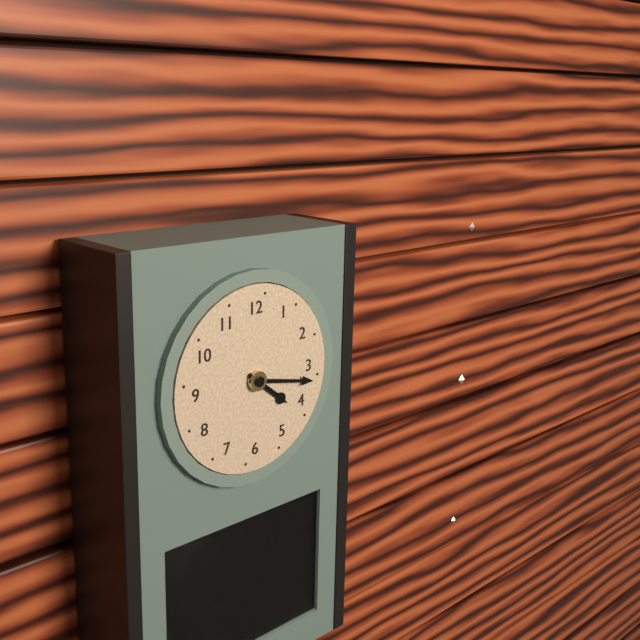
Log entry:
h=4 m=17
